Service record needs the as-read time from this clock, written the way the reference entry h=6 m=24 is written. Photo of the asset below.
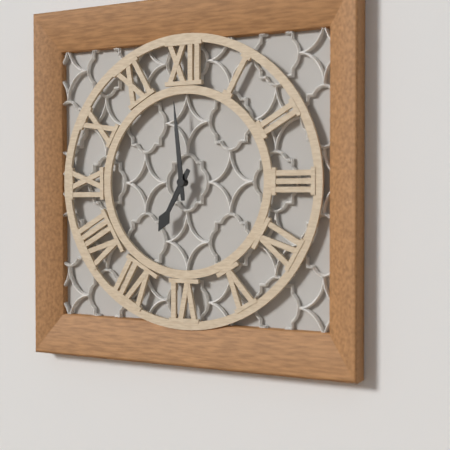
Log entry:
h=6 m=59
